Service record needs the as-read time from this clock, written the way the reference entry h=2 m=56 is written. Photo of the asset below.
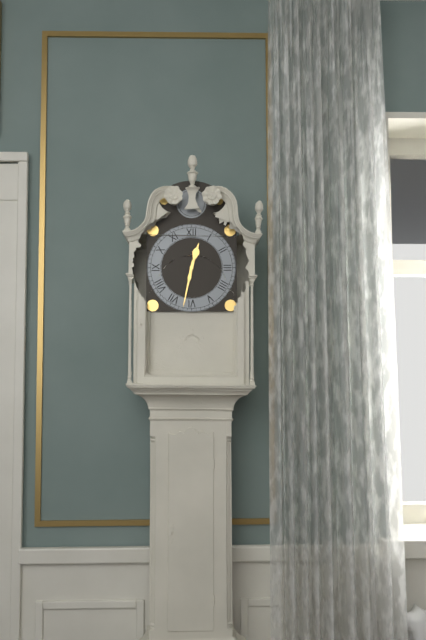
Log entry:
h=12 m=32
